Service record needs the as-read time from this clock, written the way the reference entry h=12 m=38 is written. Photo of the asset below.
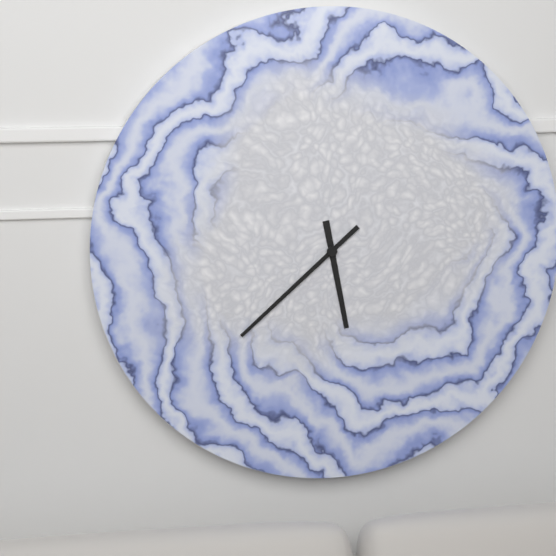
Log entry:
h=5 m=38
